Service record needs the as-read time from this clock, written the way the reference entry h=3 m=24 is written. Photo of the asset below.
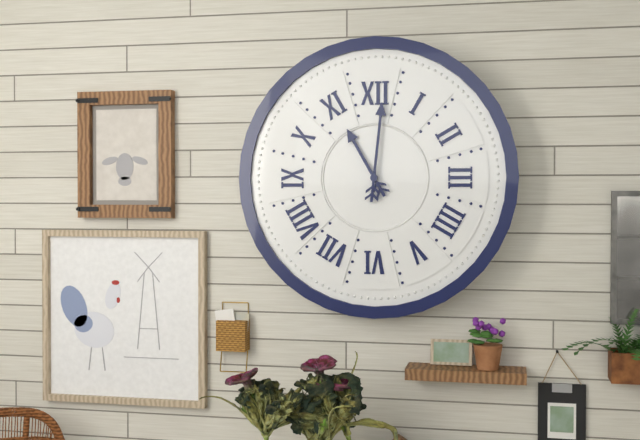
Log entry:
h=11 m=1
